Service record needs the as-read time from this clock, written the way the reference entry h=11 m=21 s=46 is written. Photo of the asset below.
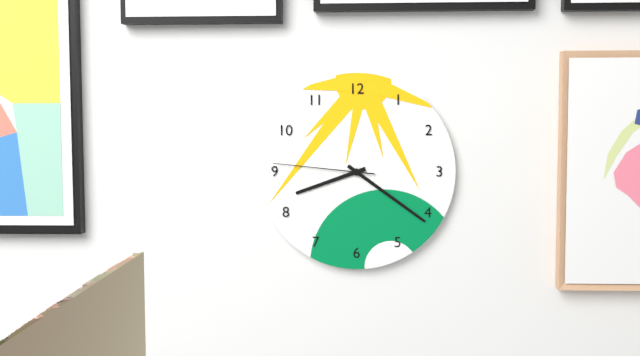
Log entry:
h=8 m=21 s=46
